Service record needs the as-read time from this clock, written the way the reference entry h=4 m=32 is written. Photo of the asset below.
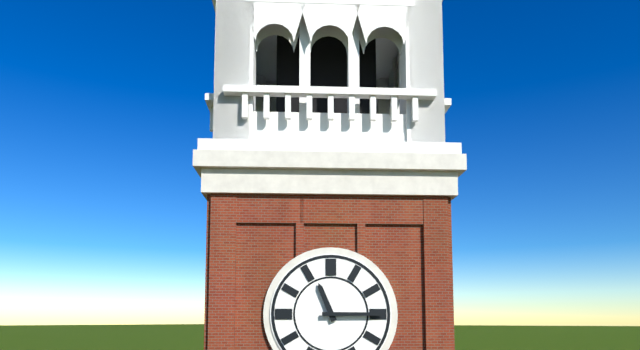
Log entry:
h=11 m=15
